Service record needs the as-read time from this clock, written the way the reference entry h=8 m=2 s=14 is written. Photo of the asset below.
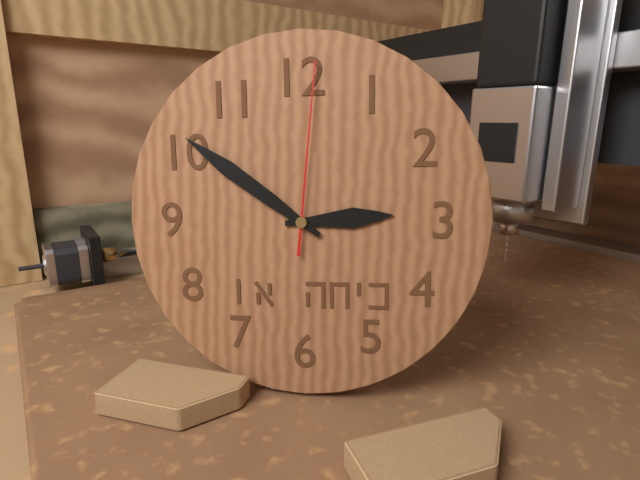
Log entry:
h=2 m=51 s=1
